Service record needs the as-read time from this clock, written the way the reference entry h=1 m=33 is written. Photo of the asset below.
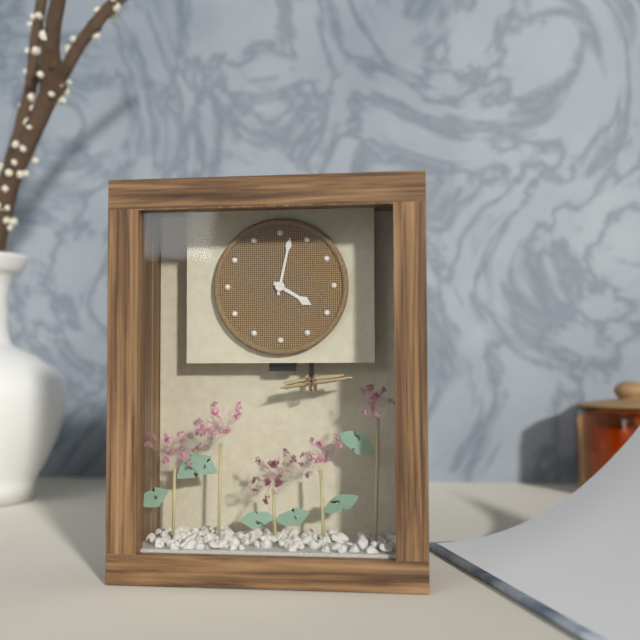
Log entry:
h=4 m=2
